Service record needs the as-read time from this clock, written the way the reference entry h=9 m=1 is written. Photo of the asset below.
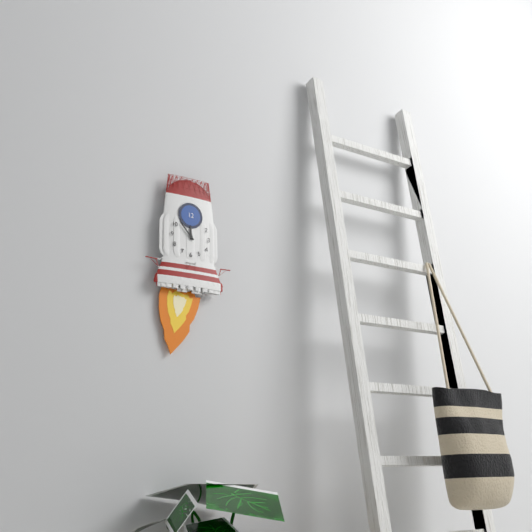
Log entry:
h=11 m=53
